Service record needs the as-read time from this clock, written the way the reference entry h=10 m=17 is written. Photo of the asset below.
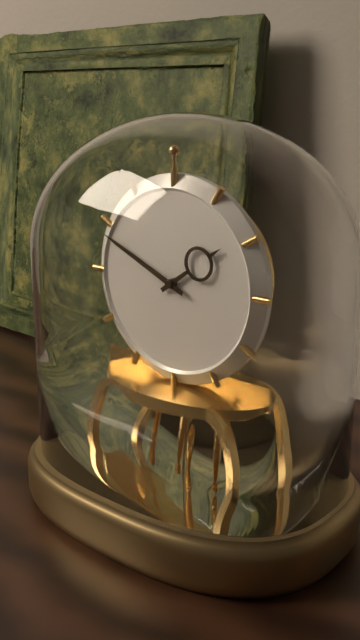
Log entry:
h=1 m=49
